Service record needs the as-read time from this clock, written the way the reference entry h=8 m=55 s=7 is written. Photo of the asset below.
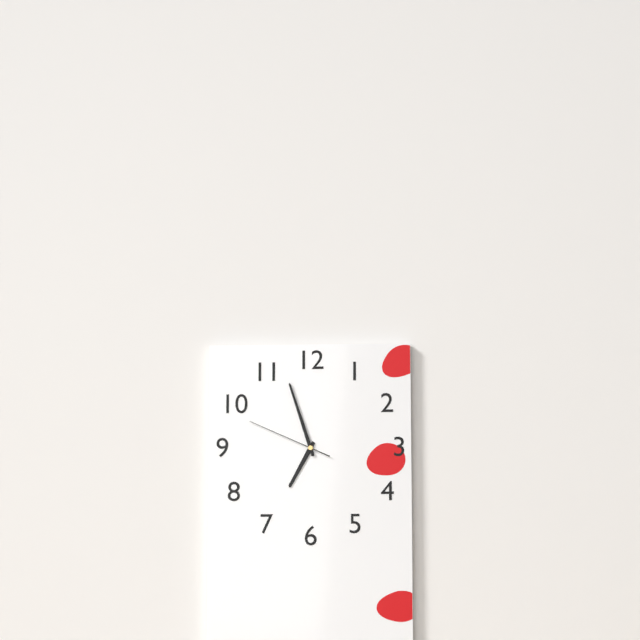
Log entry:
h=6 m=57 s=49
